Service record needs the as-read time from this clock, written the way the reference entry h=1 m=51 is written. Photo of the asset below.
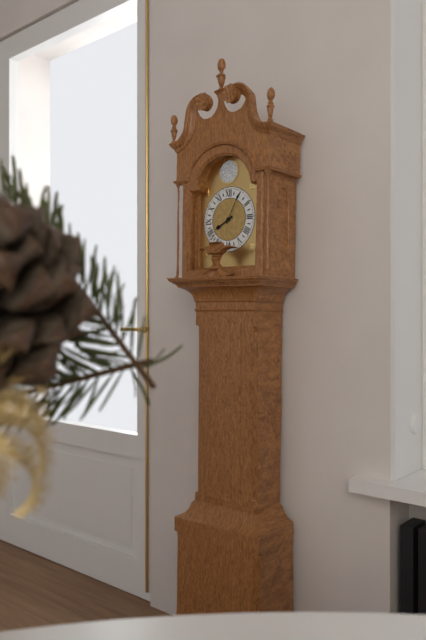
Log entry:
h=8 m=5
